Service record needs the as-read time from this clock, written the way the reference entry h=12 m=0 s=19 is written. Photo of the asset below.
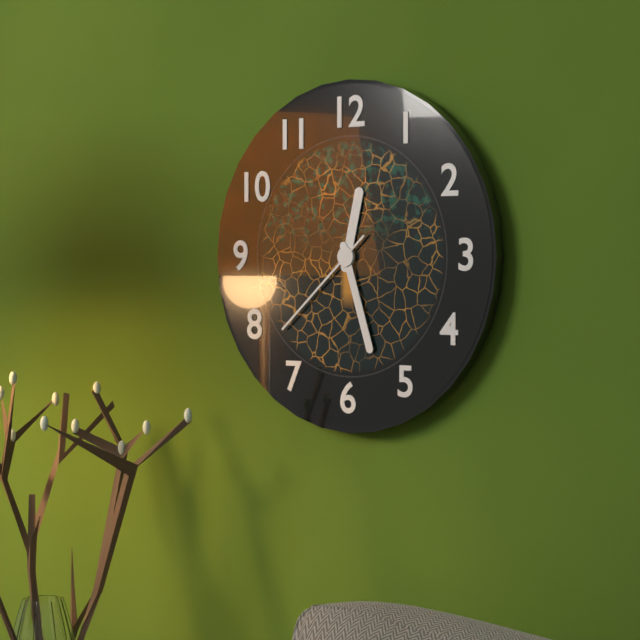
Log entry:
h=12 m=27 s=38
